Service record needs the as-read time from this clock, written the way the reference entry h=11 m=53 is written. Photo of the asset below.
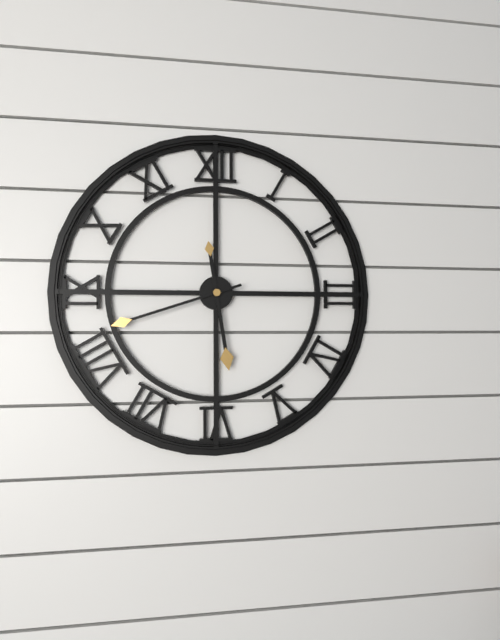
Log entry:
h=5 m=42
